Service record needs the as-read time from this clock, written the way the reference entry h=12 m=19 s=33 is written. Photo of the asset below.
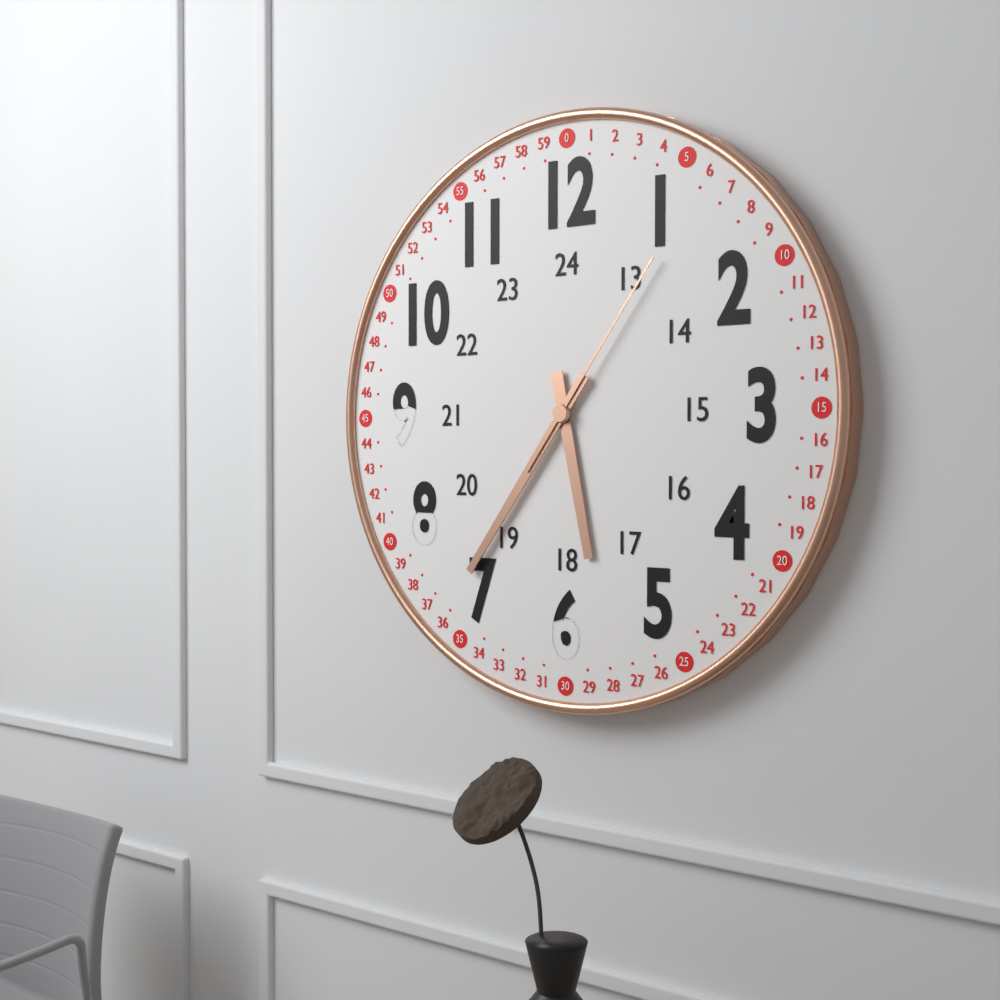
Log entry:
h=5 m=36 s=6
